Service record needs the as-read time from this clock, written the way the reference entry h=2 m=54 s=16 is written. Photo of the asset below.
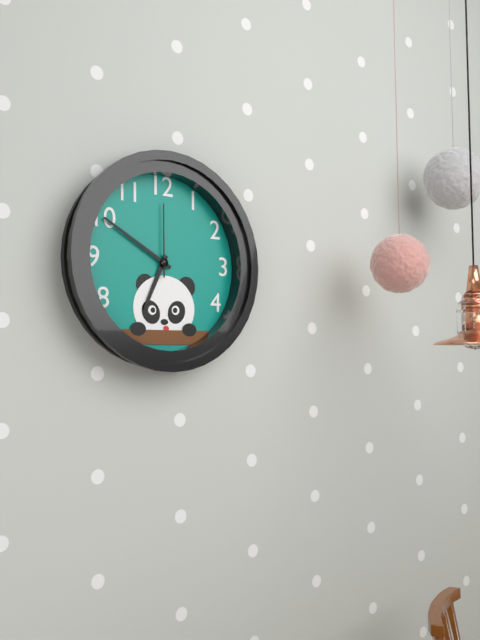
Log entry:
h=6 m=50 s=0
